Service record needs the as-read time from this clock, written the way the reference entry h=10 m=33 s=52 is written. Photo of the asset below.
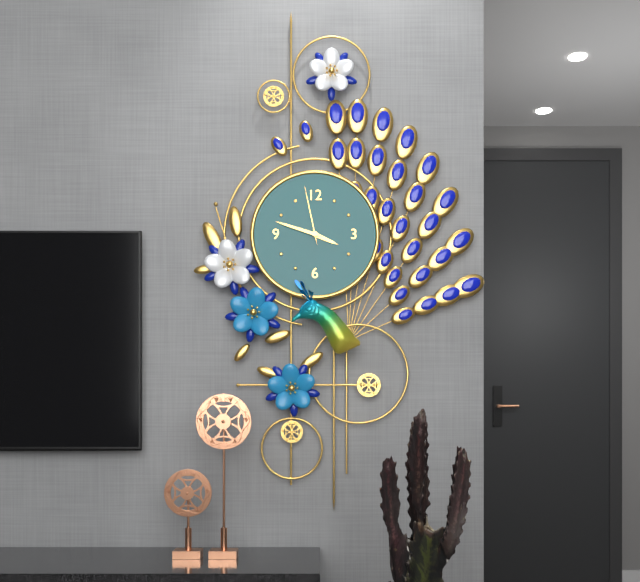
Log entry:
h=3 m=48 s=58
